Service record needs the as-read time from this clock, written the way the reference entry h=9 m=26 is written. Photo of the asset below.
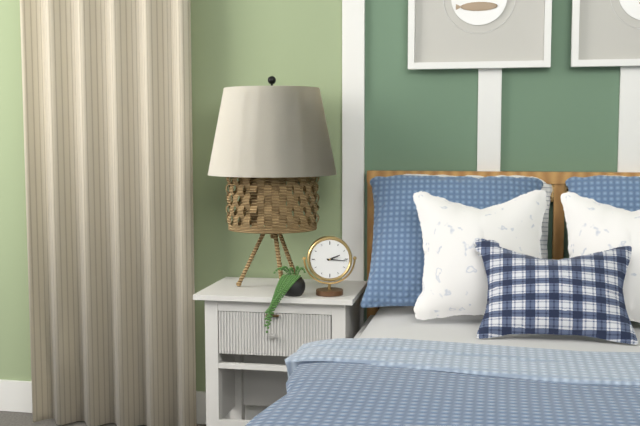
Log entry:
h=2 m=16
